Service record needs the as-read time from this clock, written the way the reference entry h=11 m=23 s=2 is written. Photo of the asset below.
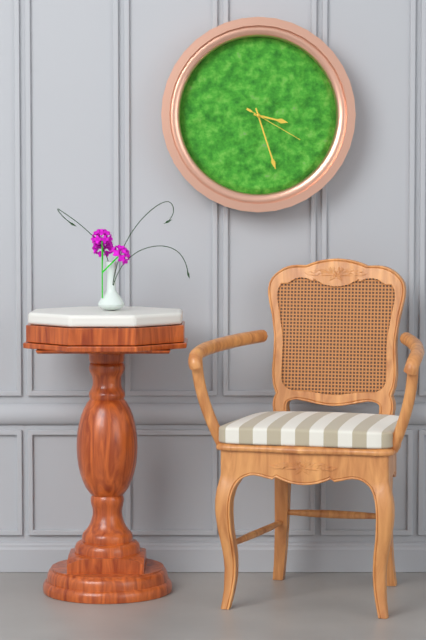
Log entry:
h=3 m=27 s=20
